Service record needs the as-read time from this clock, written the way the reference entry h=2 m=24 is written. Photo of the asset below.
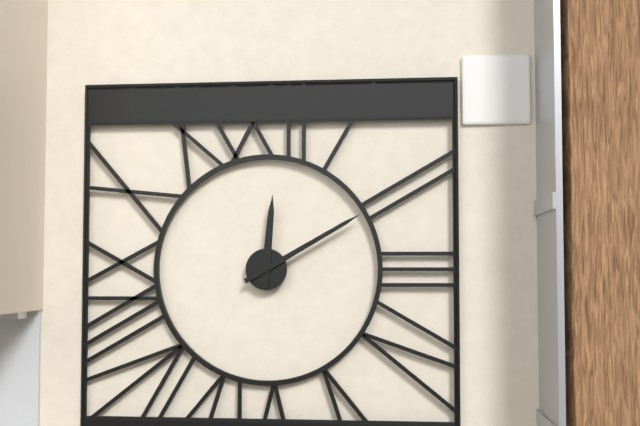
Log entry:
h=12 m=10
